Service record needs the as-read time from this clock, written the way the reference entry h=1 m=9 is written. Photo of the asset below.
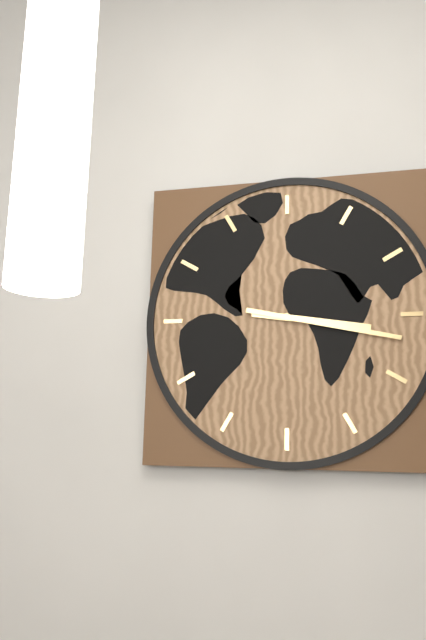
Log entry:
h=3 m=17
